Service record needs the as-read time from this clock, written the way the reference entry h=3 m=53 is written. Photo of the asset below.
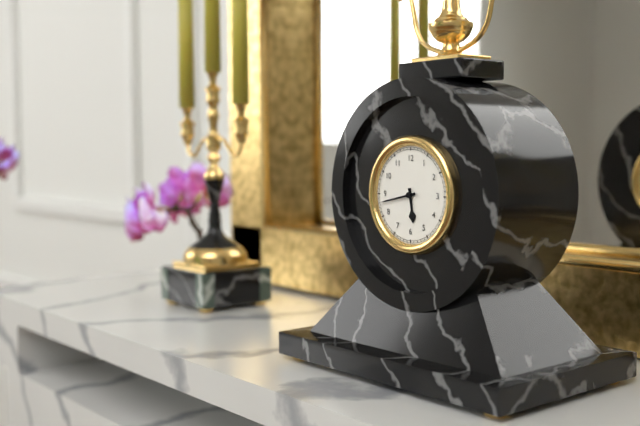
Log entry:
h=5 m=43
